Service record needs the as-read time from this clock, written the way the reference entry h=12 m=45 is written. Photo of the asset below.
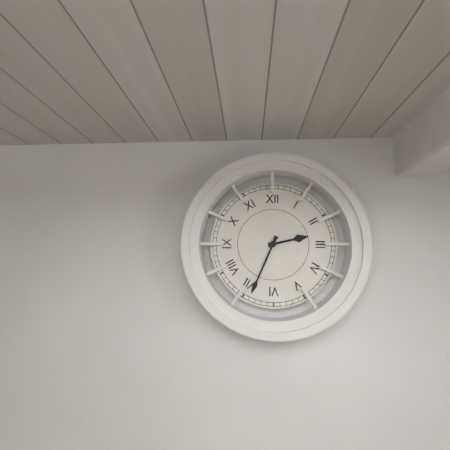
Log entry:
h=2 m=34
